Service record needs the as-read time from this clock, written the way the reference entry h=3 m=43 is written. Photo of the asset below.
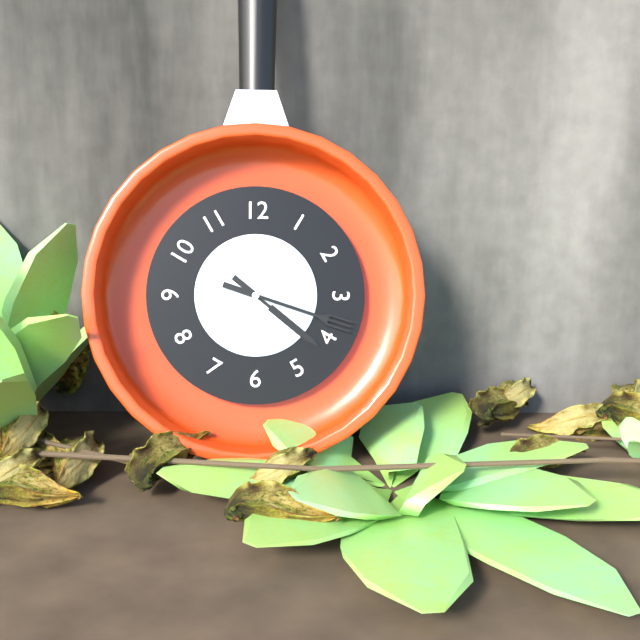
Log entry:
h=4 m=18
